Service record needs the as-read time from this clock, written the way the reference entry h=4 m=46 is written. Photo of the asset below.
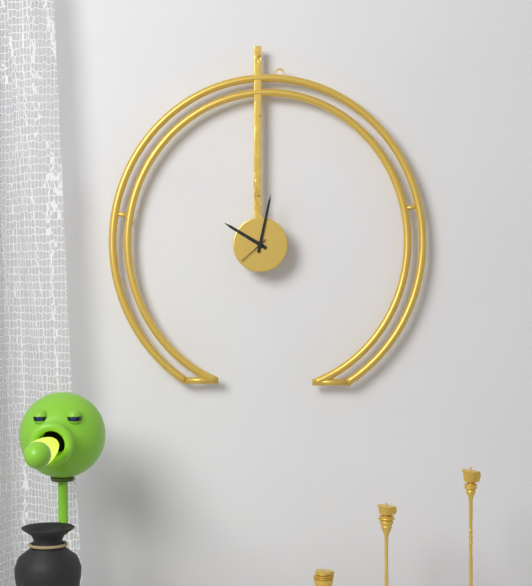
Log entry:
h=10 m=2
